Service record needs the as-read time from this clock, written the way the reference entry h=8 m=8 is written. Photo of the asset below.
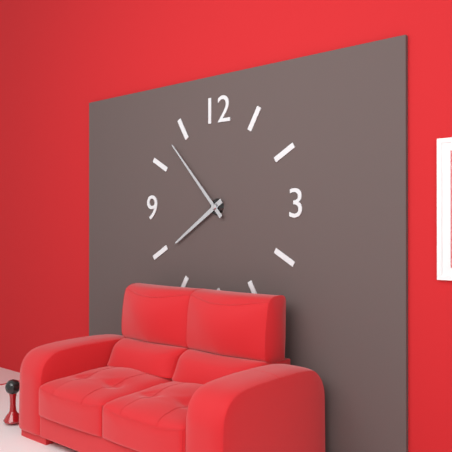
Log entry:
h=7 m=53
